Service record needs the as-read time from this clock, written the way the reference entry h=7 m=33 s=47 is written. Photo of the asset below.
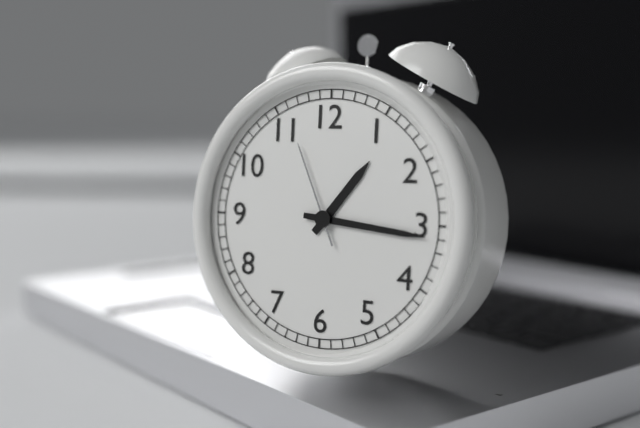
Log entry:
h=1 m=16 s=56
